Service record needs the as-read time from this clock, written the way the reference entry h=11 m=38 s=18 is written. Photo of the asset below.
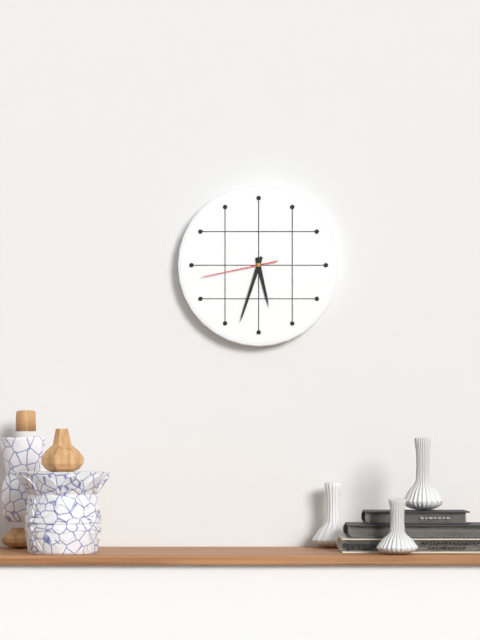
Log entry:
h=5 m=33 s=43
